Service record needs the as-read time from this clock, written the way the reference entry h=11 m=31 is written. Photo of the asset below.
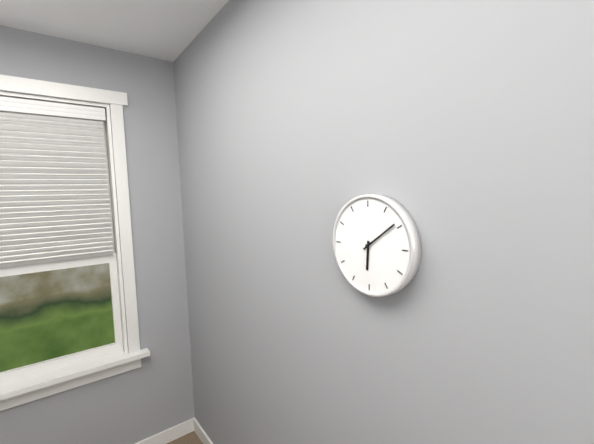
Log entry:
h=6 m=9
